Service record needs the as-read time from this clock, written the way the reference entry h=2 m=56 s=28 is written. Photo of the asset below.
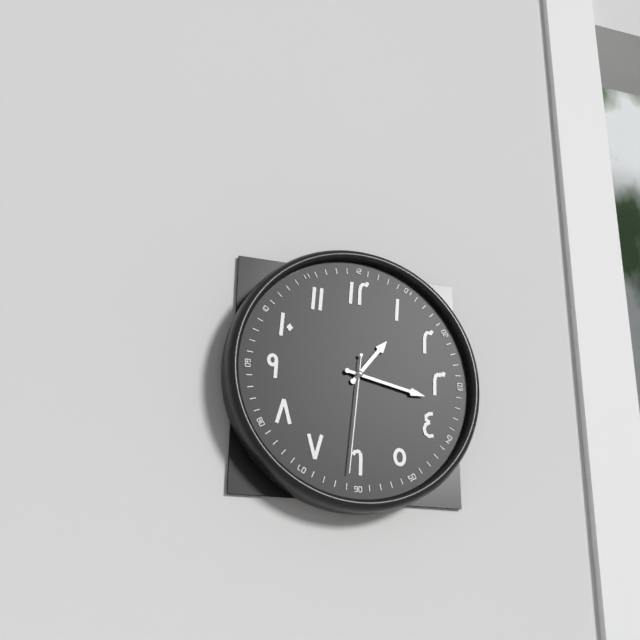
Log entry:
h=1 m=17 s=31
